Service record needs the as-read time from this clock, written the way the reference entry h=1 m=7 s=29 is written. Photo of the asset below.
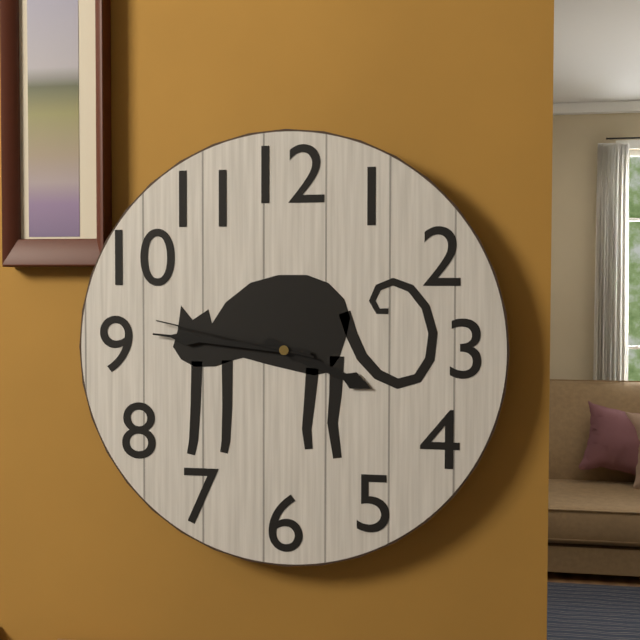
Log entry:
h=3 m=46 s=47
